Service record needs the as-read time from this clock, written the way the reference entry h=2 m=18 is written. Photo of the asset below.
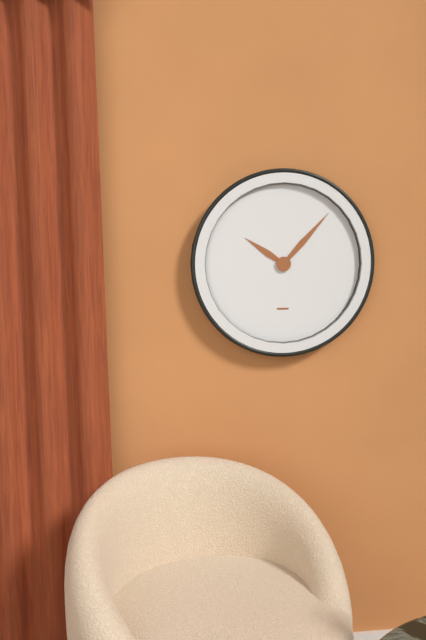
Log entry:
h=10 m=7
